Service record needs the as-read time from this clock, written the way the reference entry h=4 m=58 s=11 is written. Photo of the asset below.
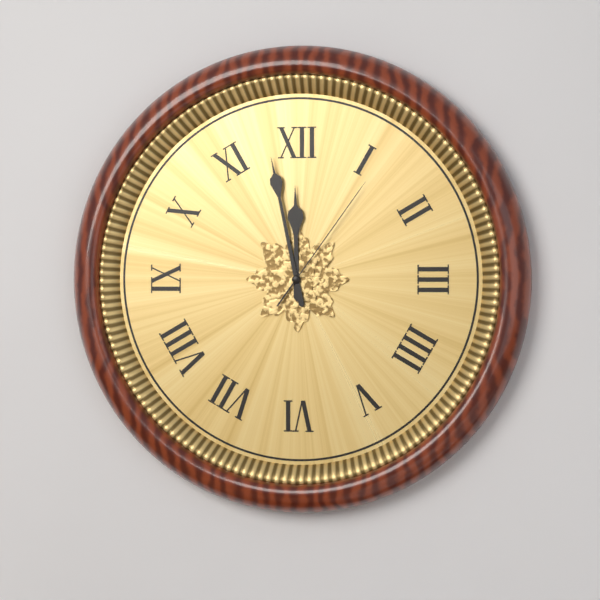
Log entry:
h=11 m=58 s=6
